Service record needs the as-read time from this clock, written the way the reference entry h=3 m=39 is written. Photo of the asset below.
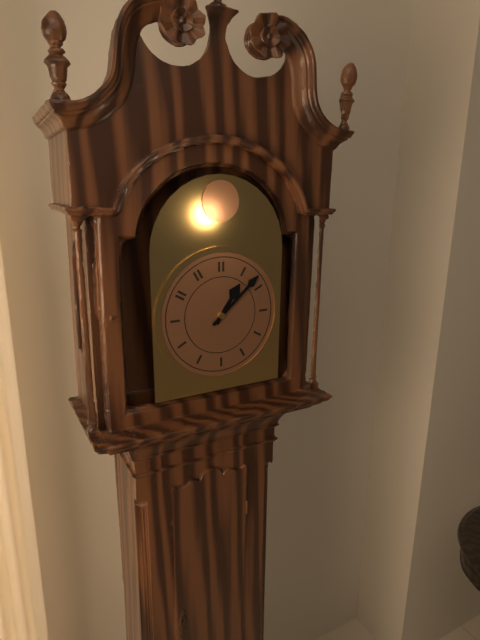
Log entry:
h=1 m=8
